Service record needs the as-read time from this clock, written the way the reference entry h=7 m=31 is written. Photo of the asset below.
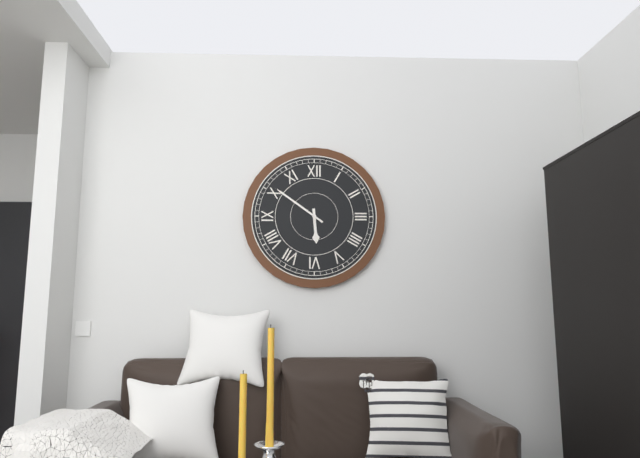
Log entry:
h=5 m=51
